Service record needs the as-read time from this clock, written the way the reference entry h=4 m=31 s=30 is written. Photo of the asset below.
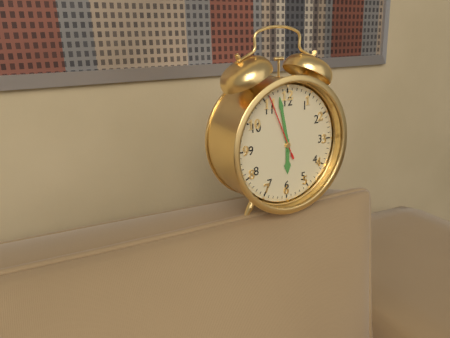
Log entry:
h=5 m=58 s=56
